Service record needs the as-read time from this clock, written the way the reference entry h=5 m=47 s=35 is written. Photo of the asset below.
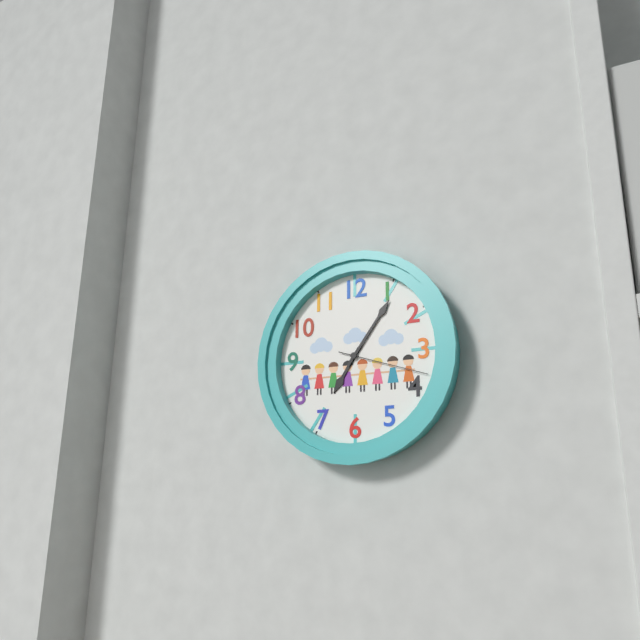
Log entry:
h=7 m=6 s=18
